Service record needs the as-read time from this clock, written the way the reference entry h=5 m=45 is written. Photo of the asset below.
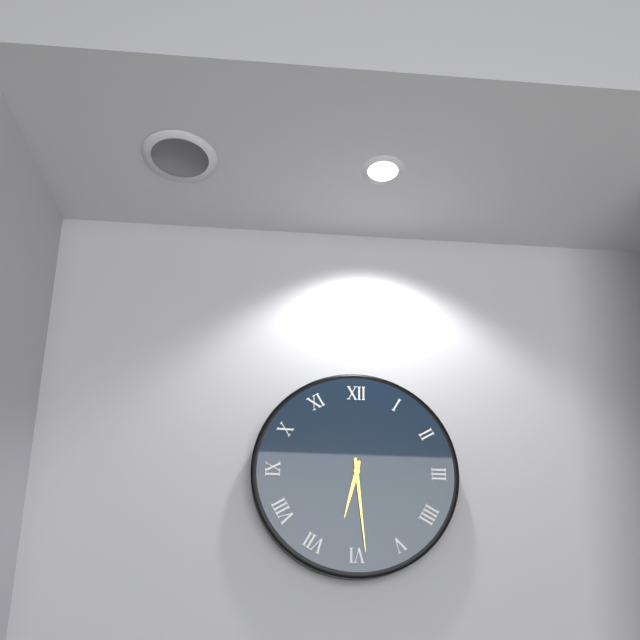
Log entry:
h=6 m=29
